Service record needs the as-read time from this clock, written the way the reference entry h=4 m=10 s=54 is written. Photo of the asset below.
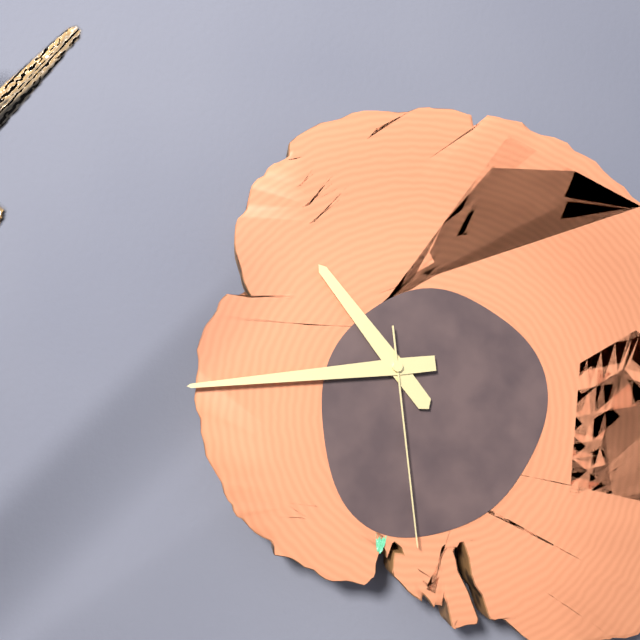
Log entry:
h=10 m=44 s=29
